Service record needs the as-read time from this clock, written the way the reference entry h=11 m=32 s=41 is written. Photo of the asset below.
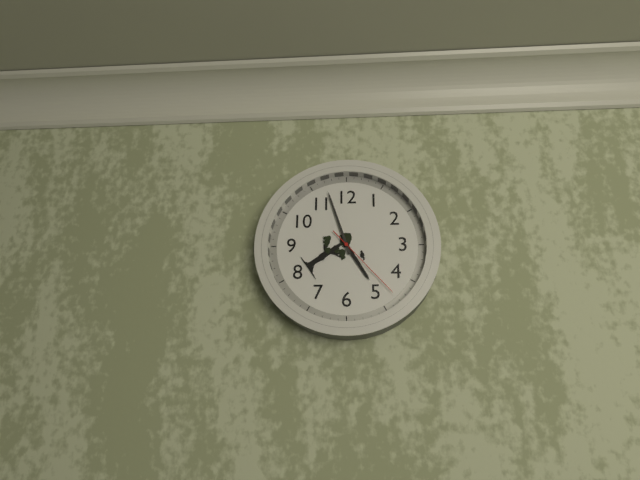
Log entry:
h=4 m=57 s=23
